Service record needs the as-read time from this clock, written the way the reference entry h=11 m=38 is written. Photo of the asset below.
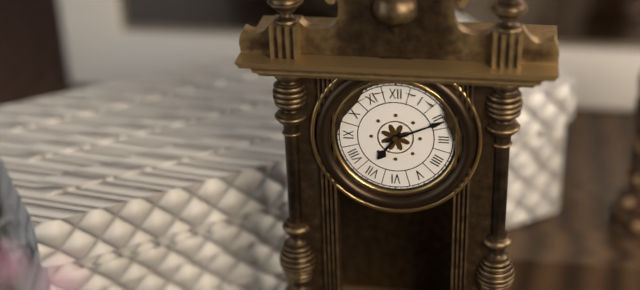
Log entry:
h=7 m=11
